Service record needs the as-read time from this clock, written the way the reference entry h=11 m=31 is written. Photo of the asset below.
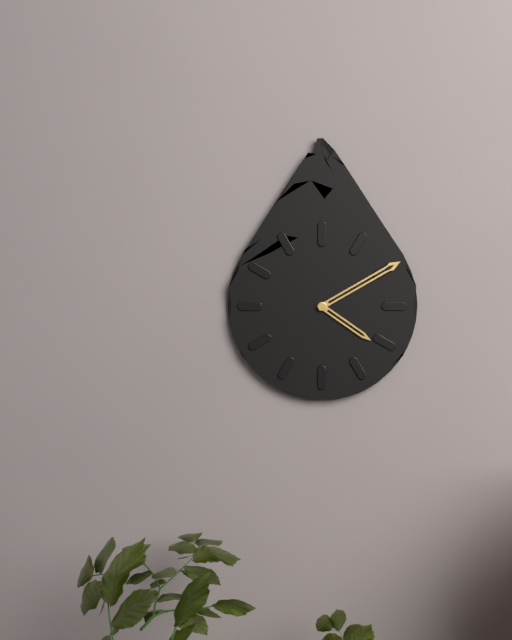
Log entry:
h=4 m=10
